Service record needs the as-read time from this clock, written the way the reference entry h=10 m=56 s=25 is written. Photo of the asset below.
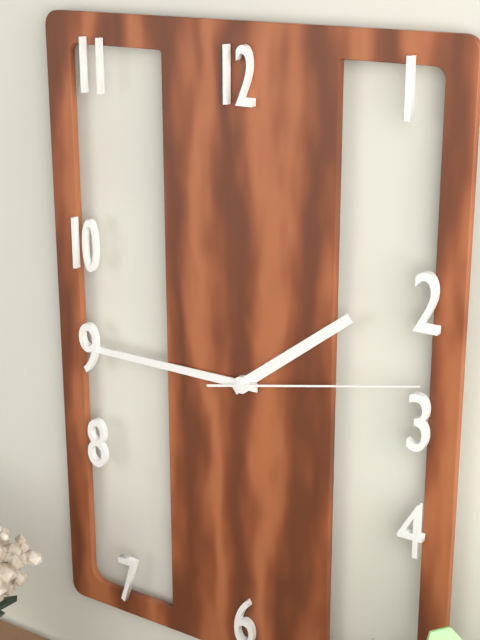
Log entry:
h=1 m=45 s=13
